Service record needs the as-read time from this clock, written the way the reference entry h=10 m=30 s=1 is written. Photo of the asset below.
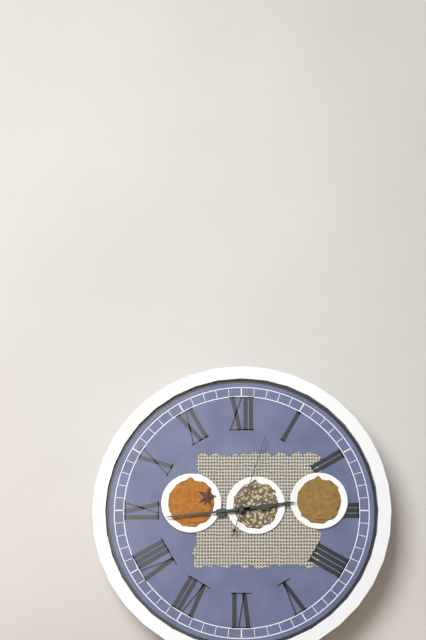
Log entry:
h=2 m=44 s=3
